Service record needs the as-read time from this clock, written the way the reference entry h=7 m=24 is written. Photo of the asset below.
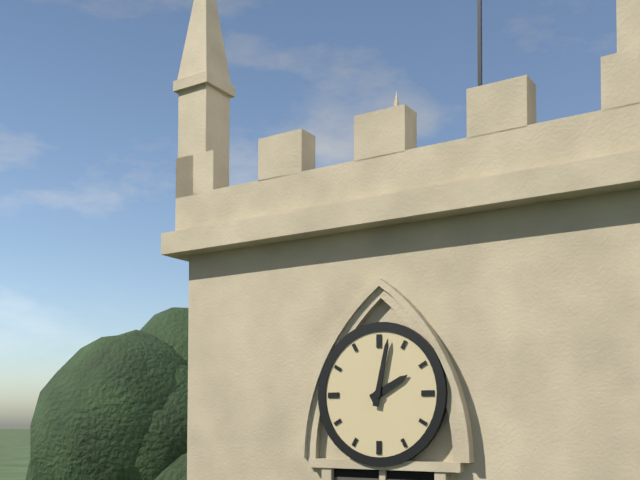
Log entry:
h=2 m=2
